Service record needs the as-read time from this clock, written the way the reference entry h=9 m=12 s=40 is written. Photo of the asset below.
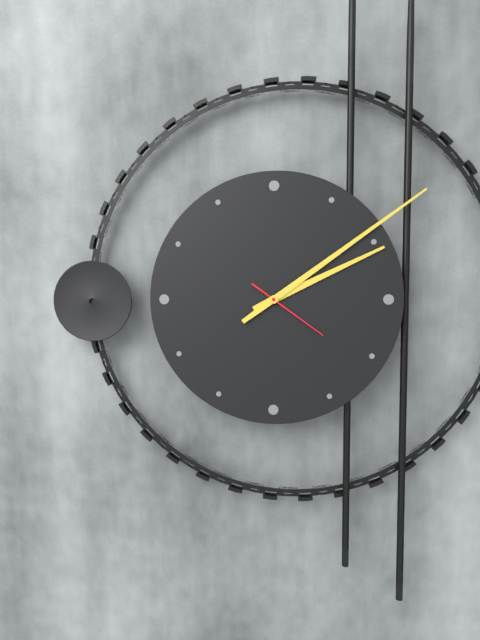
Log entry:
h=2 m=9 s=21
